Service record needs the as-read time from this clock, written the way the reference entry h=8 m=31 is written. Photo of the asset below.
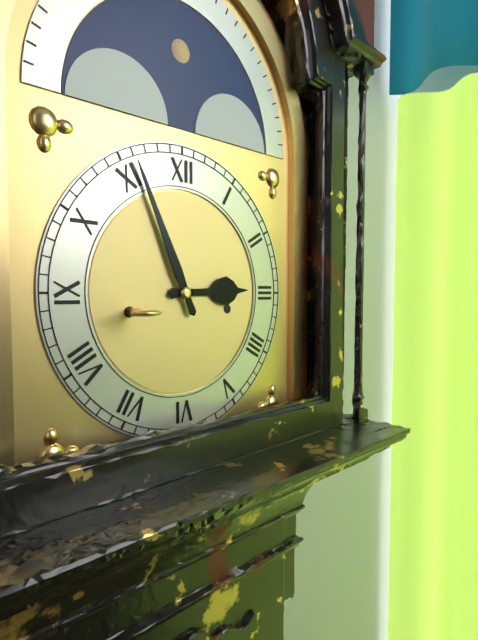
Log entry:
h=2 m=56
